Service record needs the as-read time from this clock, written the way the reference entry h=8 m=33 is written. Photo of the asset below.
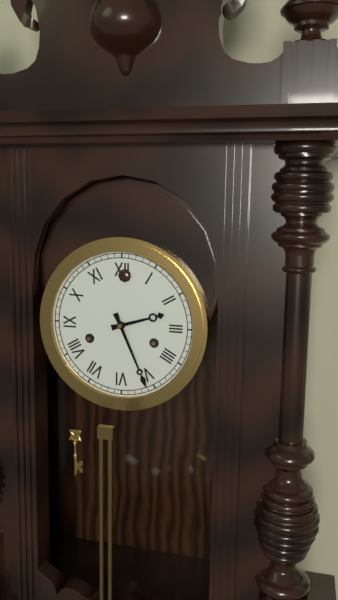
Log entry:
h=2 m=26
